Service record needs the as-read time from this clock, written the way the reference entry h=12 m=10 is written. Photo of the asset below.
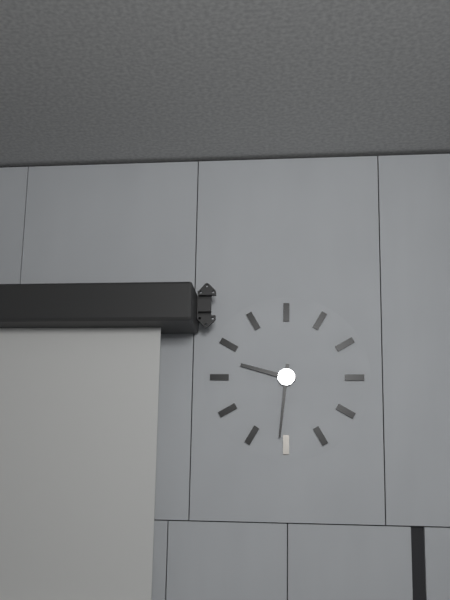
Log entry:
h=9 m=31
